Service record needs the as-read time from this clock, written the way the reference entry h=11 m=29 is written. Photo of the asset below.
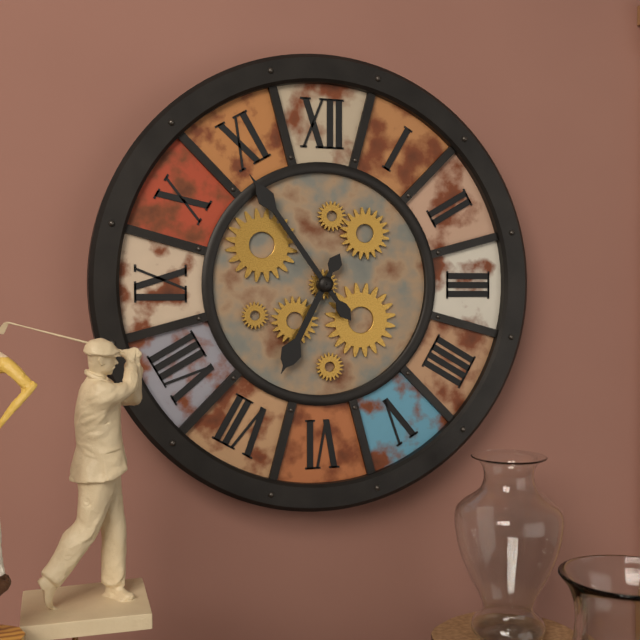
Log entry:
h=6 m=54
